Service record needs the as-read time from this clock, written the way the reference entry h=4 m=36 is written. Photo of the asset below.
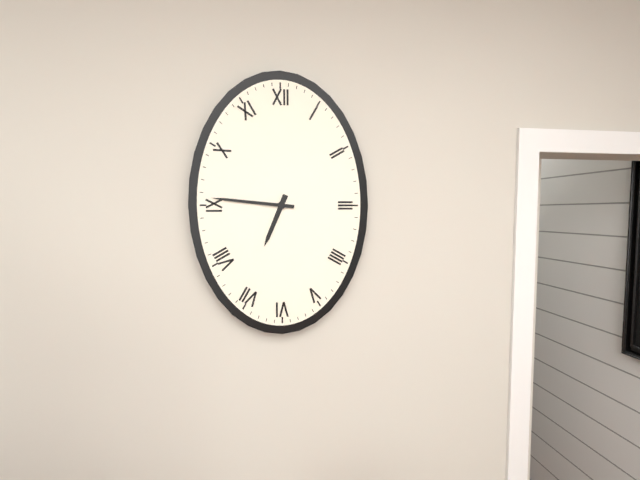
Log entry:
h=6 m=46
